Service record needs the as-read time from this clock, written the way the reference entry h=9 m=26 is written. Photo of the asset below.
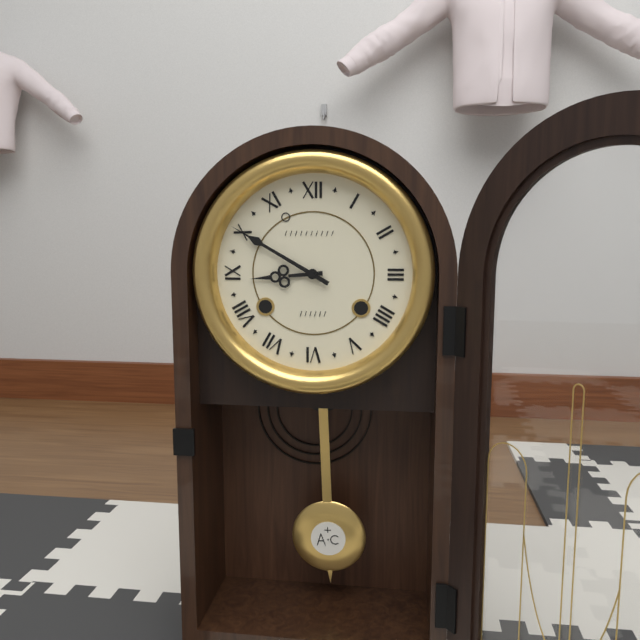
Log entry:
h=8 m=50
